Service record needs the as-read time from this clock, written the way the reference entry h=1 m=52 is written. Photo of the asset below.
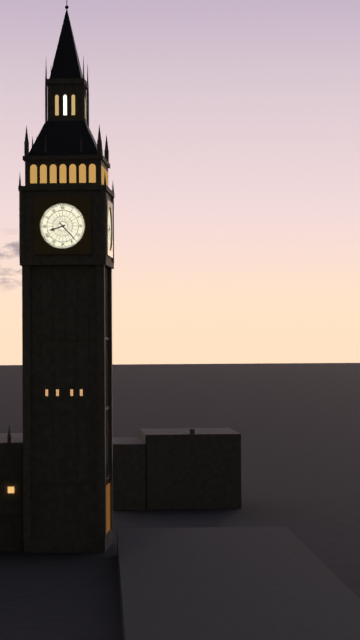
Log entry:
h=8 m=23
